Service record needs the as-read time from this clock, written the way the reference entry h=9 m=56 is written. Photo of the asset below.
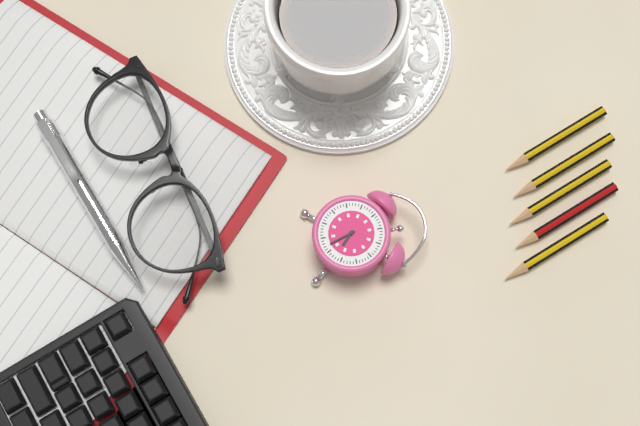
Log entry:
h=4 m=27
